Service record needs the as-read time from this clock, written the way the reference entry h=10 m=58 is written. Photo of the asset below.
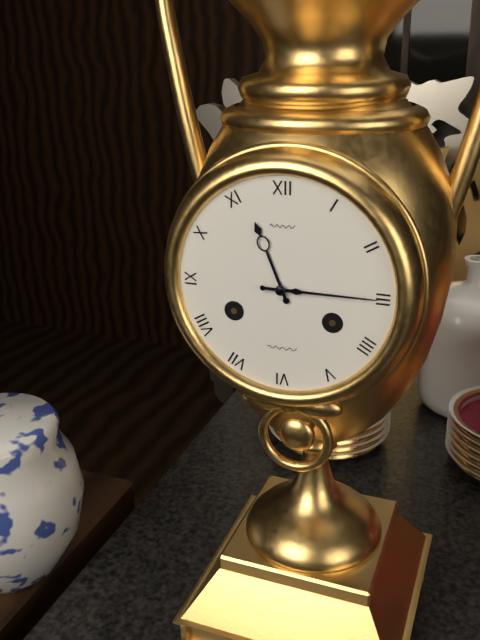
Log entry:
h=11 m=15
